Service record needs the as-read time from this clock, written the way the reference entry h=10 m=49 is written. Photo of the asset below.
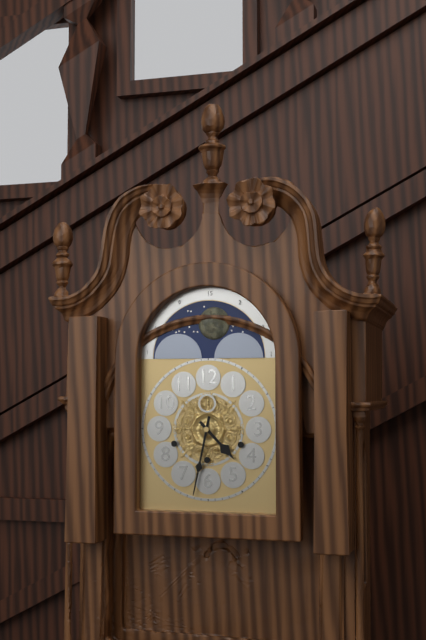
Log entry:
h=4 m=32
